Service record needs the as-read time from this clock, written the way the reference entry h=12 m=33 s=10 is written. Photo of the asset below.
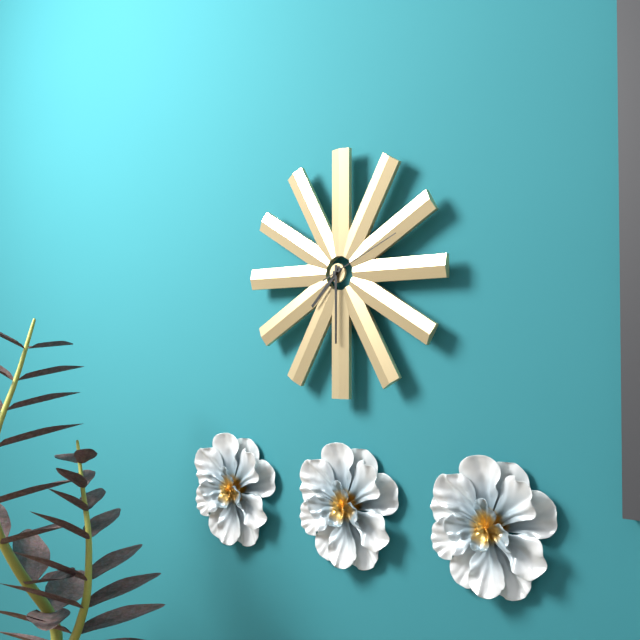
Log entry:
h=7 m=30 s=11
